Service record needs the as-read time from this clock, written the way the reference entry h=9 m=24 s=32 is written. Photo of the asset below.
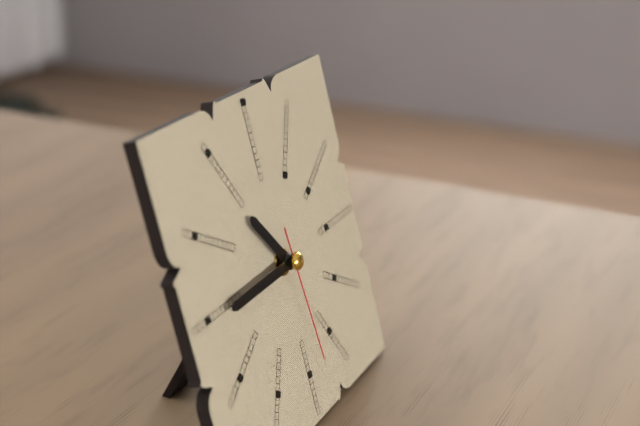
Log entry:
h=10 m=45 s=29
